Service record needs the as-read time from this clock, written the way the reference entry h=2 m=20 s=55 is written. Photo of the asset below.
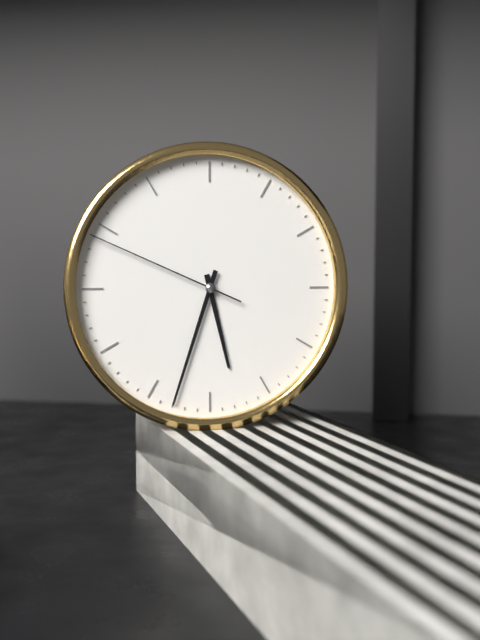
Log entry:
h=5 m=33 s=49
